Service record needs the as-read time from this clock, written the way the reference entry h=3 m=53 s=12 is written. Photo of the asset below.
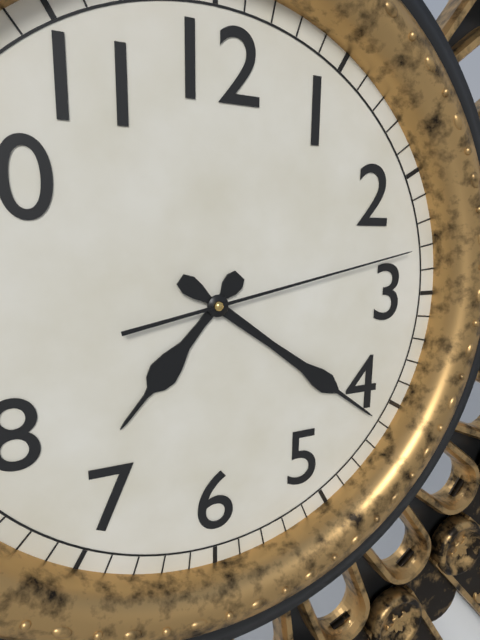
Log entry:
h=7 m=21 s=13
